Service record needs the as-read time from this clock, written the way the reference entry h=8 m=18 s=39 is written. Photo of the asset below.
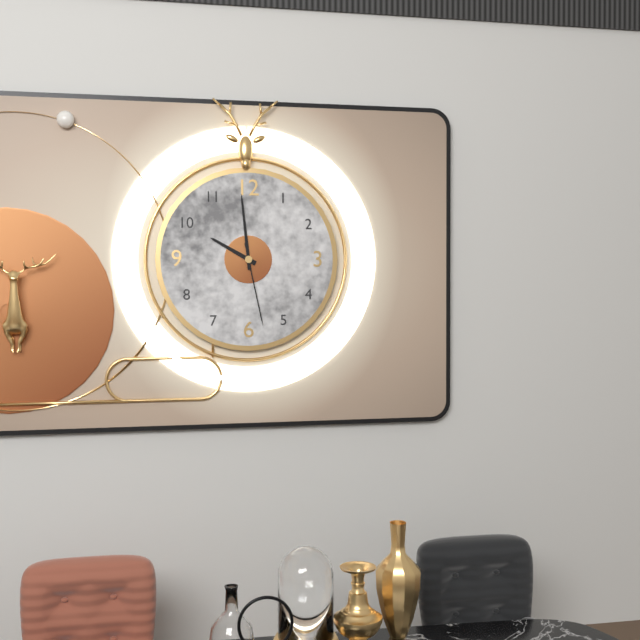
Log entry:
h=9 m=59 s=28
